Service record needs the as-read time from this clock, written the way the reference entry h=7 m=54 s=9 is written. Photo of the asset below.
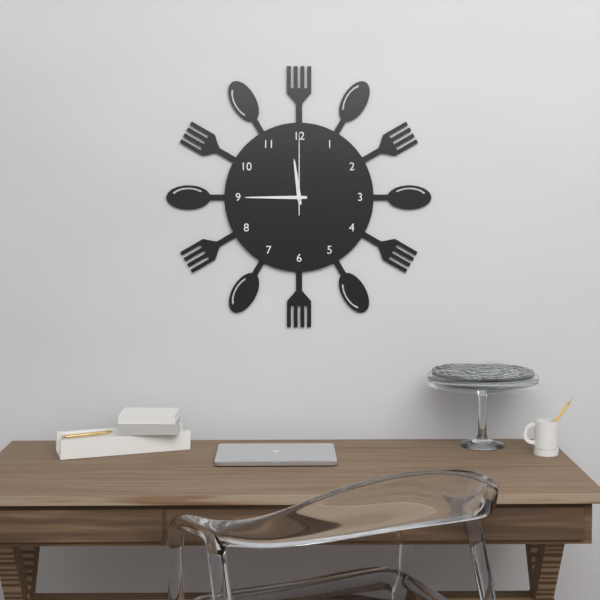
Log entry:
h=11 m=45 s=0
